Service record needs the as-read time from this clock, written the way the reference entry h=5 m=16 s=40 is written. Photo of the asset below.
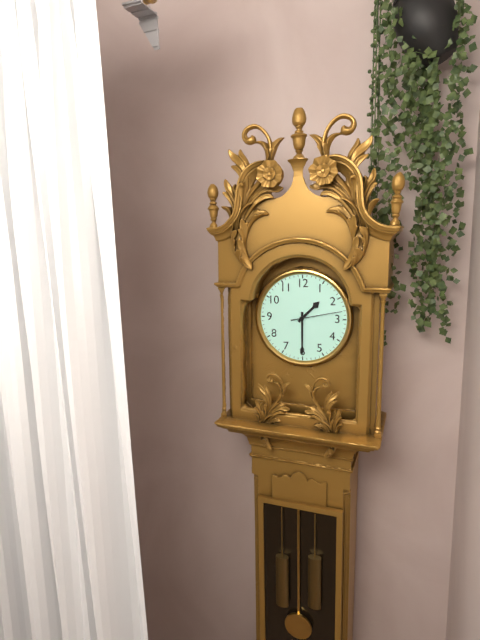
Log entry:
h=1 m=30 s=13
